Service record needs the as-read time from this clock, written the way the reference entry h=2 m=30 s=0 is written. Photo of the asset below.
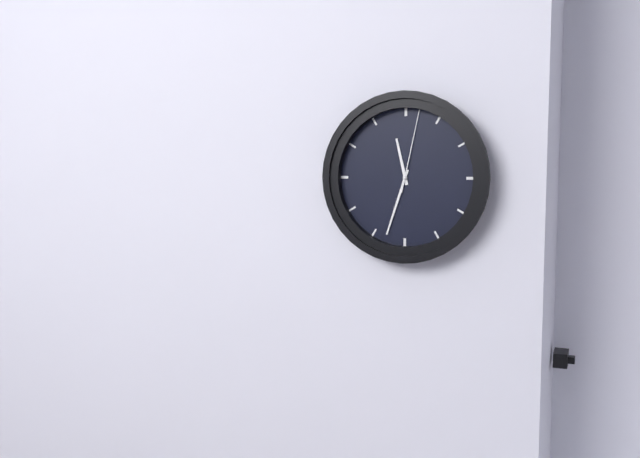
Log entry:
h=11 m=33 s=2
